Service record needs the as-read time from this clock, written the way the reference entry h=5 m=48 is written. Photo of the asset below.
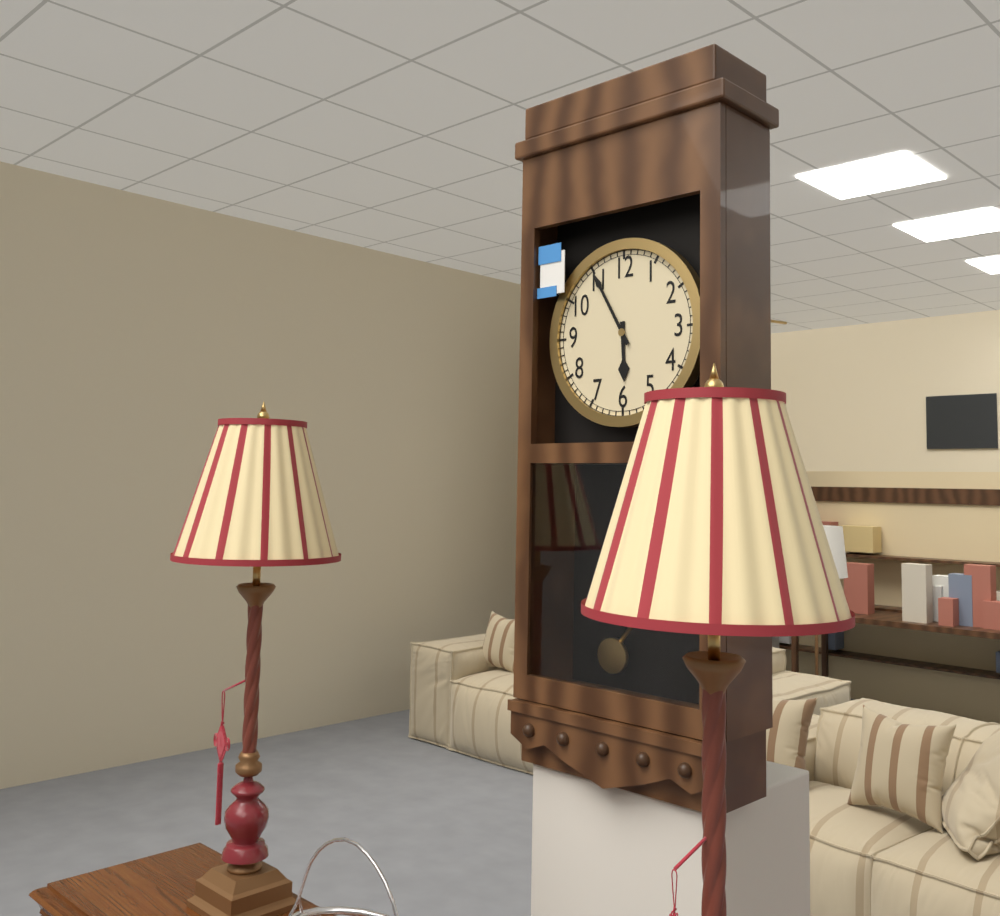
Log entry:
h=5 m=55
